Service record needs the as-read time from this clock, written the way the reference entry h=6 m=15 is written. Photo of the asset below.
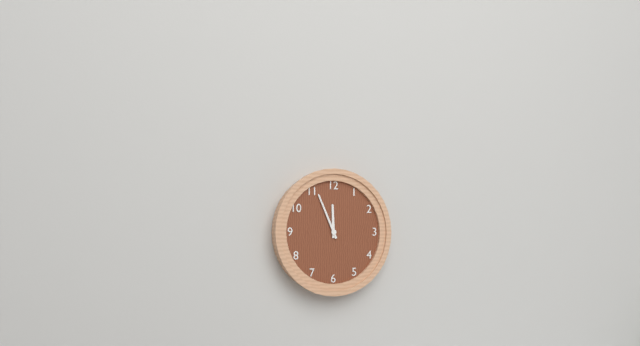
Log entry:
h=11 m=56
